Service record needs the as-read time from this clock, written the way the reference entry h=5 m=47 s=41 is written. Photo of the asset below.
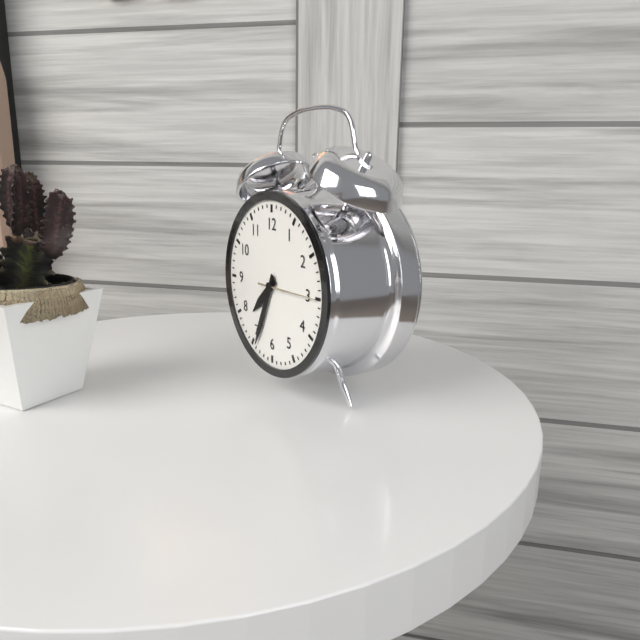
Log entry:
h=7 m=34 s=15
